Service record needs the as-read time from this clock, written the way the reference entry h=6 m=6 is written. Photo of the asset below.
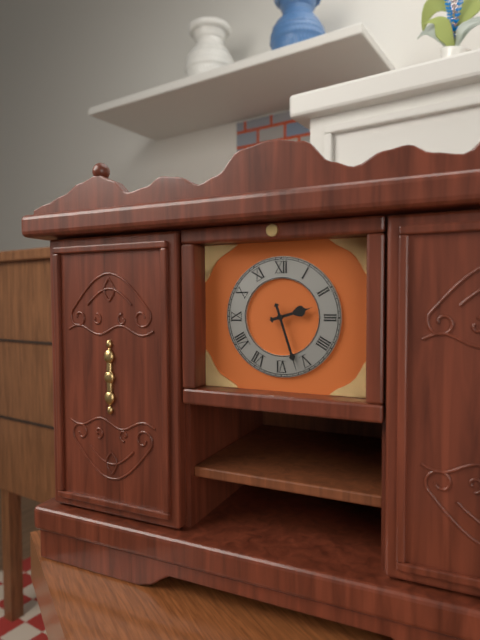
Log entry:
h=2 m=27
